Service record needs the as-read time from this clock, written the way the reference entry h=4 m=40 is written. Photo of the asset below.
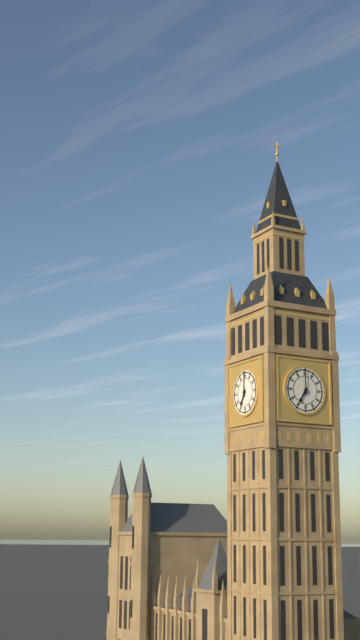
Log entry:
h=7 m=0
